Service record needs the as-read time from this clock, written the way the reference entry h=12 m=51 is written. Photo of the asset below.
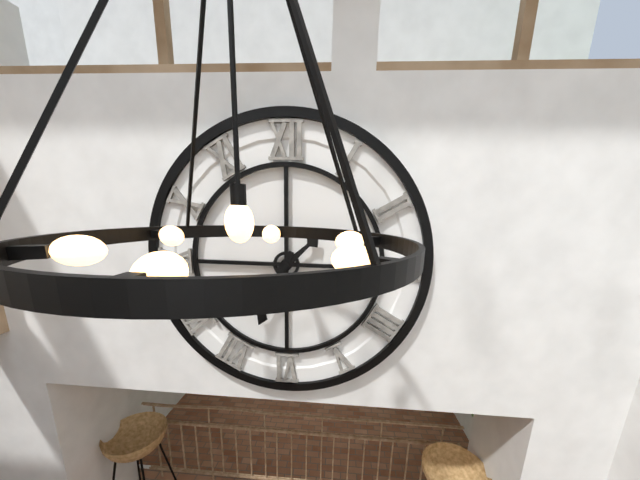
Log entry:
h=1 m=34
